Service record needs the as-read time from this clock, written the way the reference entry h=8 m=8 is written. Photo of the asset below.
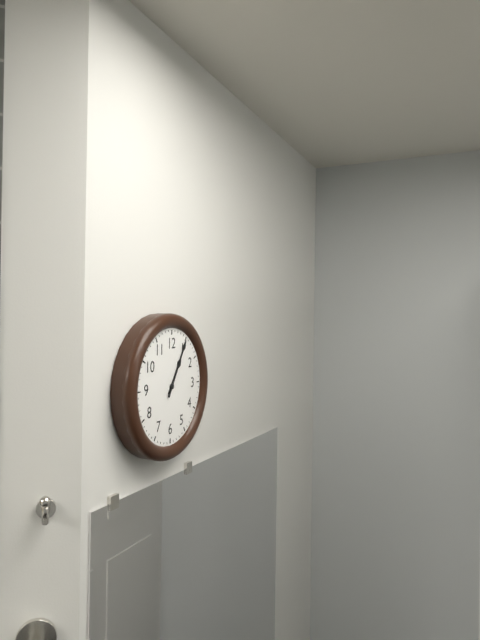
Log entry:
h=1 m=5
